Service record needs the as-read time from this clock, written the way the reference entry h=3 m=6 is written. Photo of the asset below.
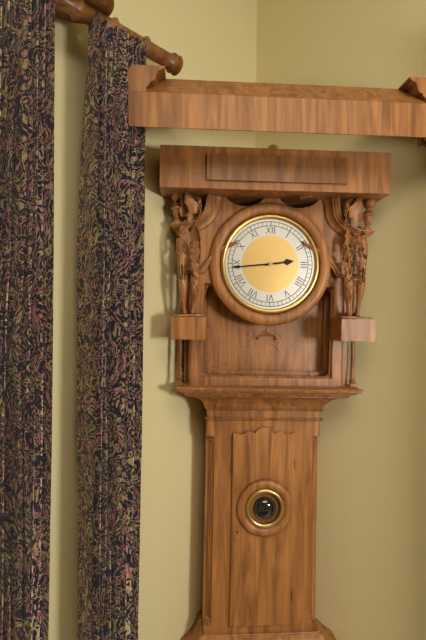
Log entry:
h=2 m=44
